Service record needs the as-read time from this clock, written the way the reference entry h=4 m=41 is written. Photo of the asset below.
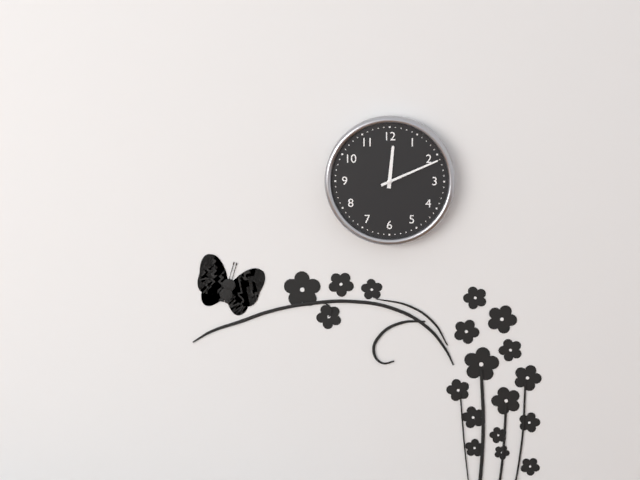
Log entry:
h=12 m=11
